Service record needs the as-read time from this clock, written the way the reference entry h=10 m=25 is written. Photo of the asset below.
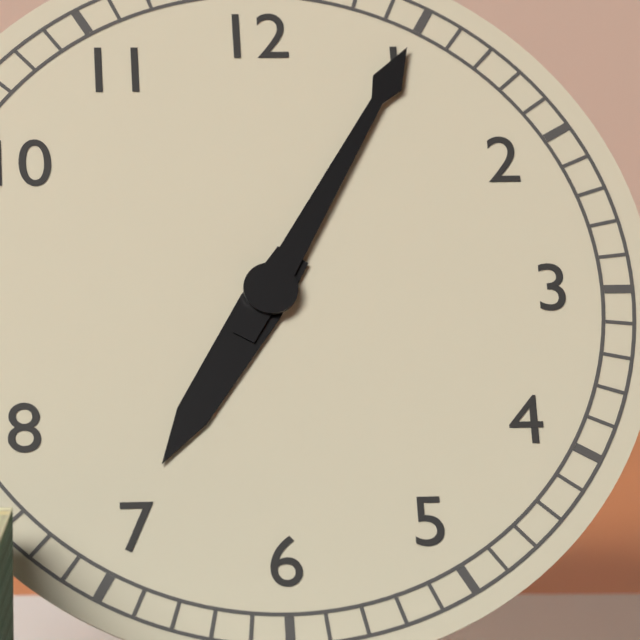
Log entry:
h=7 m=5
